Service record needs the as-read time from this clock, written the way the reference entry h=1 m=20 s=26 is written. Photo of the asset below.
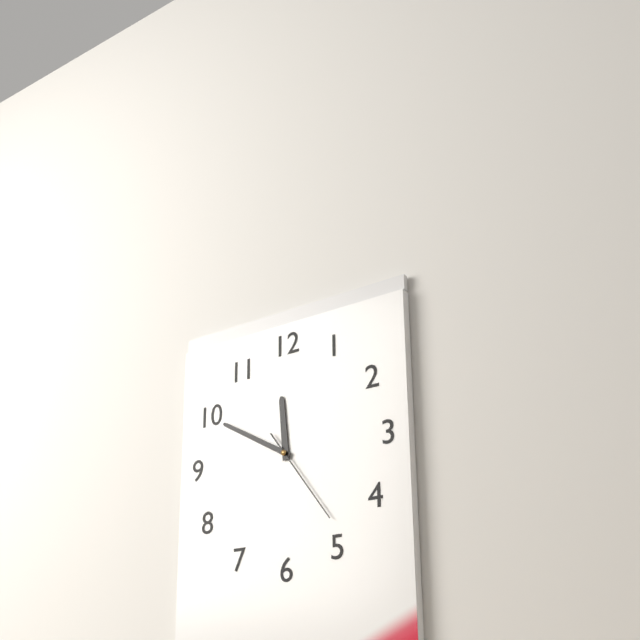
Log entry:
h=11 m=50 s=24
